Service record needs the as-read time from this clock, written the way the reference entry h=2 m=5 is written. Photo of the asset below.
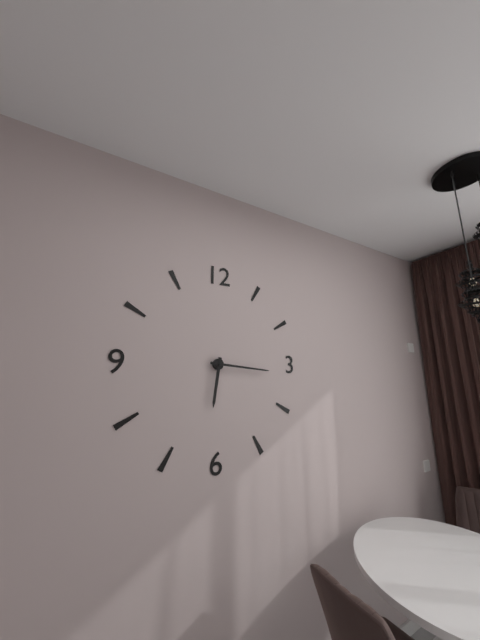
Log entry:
h=6 m=16
